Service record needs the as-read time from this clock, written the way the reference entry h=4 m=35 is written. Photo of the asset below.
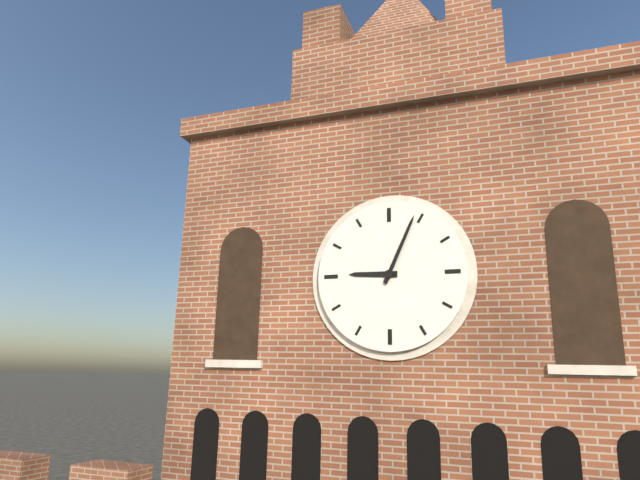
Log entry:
h=9 m=4
